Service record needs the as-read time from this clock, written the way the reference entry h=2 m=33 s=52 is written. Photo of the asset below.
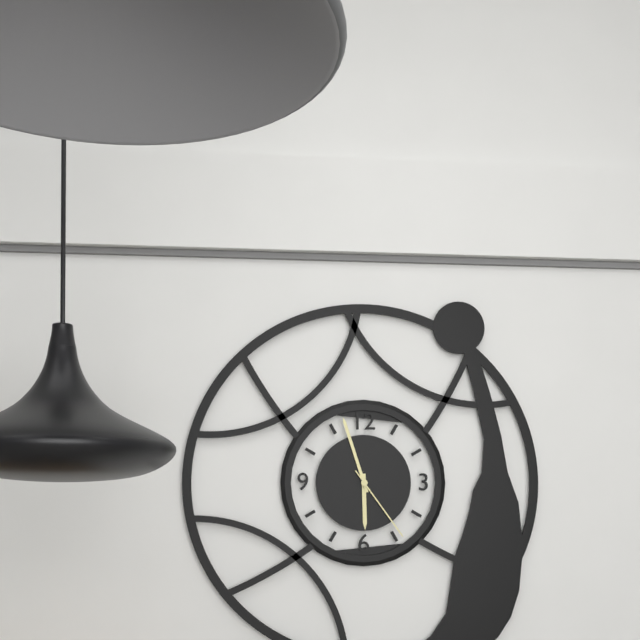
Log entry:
h=5 m=57 s=24
